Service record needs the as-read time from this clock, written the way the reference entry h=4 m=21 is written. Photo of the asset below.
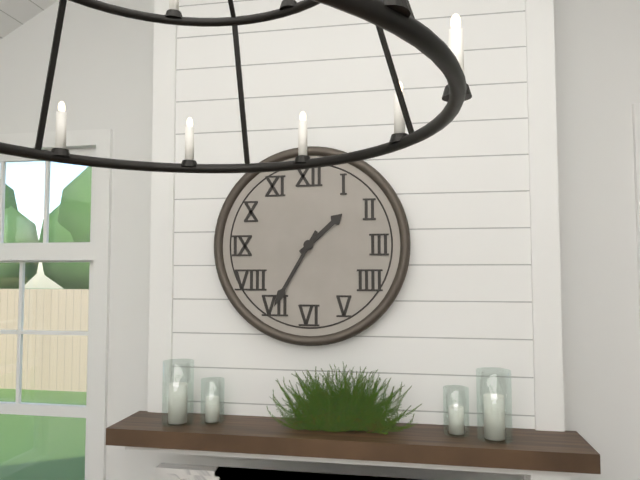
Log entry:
h=1 m=35
